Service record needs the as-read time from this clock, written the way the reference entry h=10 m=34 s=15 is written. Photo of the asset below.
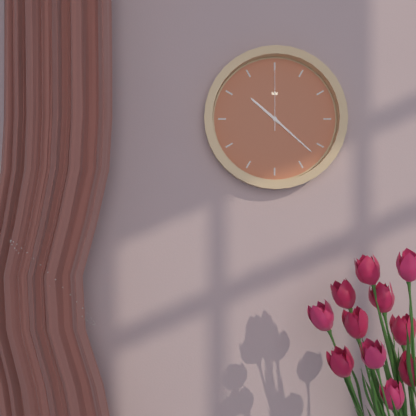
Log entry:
h=10 m=22 s=0
